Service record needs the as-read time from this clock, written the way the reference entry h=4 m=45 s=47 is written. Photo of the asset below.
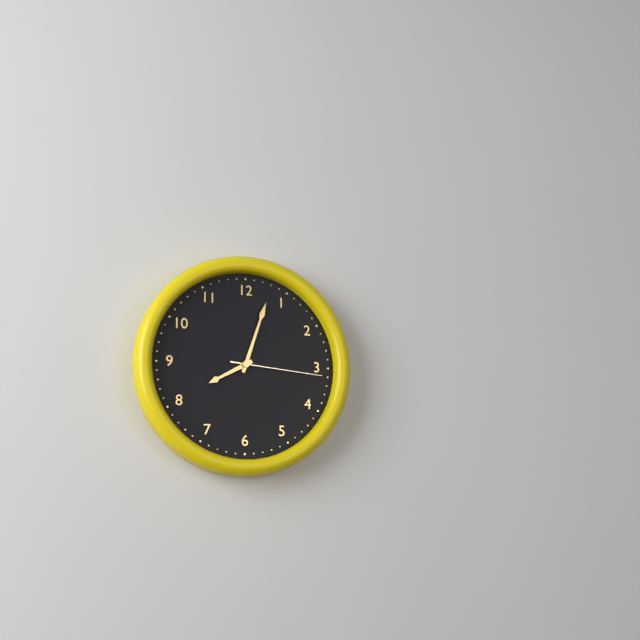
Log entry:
h=8 m=3 s=16
